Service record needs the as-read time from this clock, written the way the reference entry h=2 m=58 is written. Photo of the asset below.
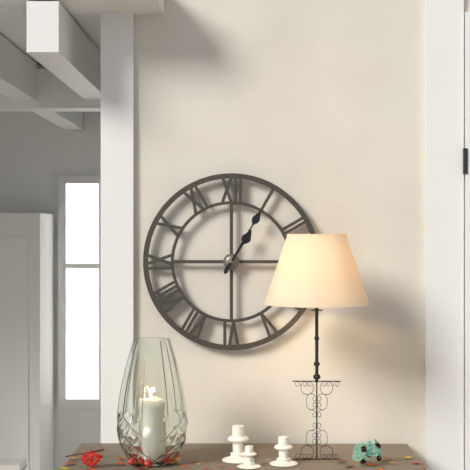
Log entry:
h=1 m=5
